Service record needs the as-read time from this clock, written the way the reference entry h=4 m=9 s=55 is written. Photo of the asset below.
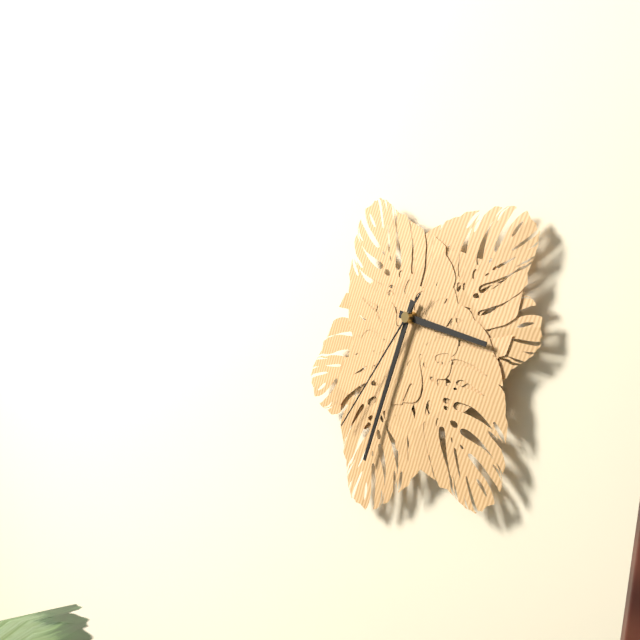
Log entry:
h=3 m=34 s=37
